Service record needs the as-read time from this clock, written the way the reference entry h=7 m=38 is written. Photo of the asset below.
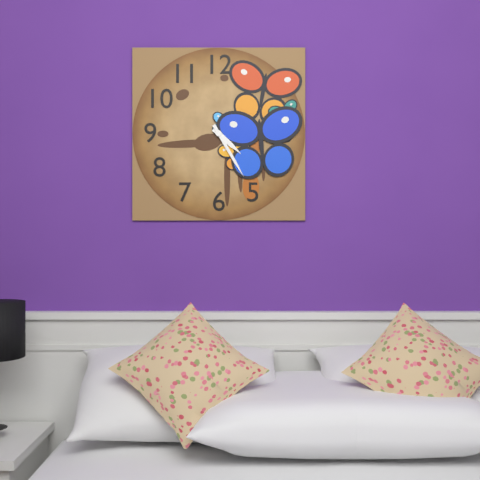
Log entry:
h=4 m=25
